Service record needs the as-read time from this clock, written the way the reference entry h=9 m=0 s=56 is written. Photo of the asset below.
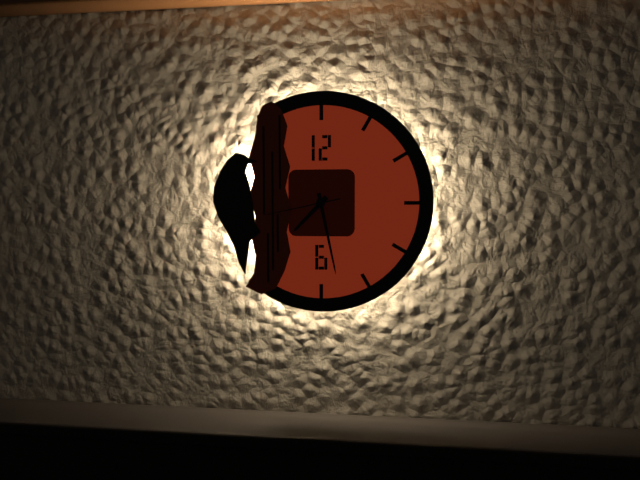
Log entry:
h=7 m=28 s=43
